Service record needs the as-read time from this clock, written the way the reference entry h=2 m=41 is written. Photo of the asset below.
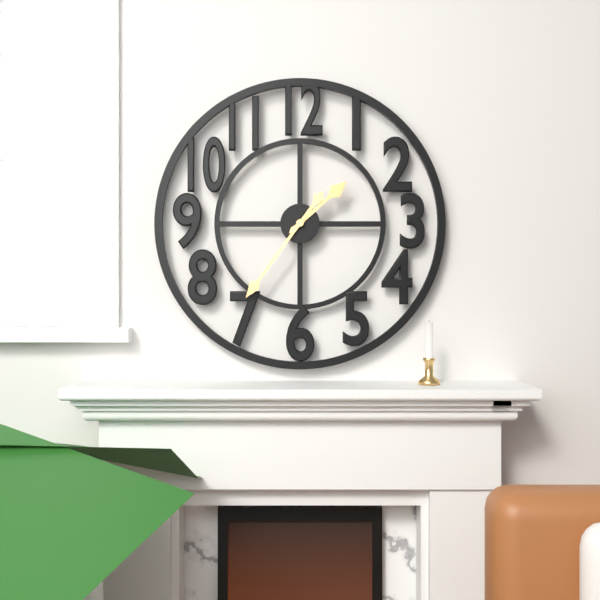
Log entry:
h=1 m=36
